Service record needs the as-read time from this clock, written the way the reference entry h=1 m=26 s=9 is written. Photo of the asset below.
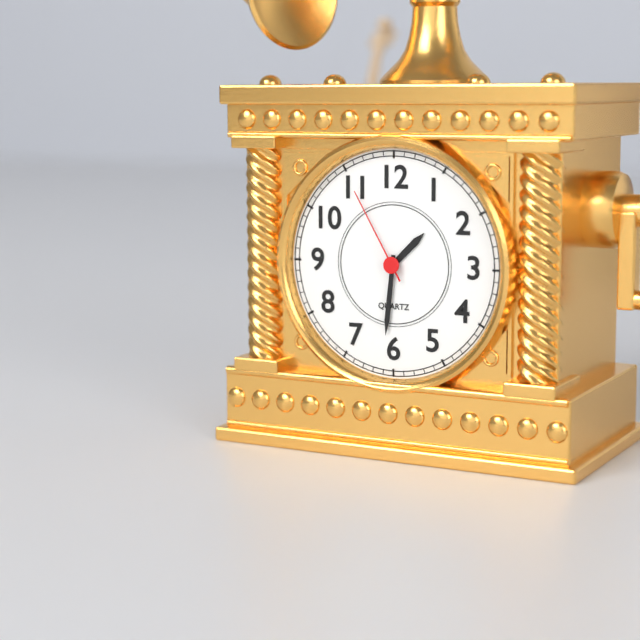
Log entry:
h=1 m=31 s=55
